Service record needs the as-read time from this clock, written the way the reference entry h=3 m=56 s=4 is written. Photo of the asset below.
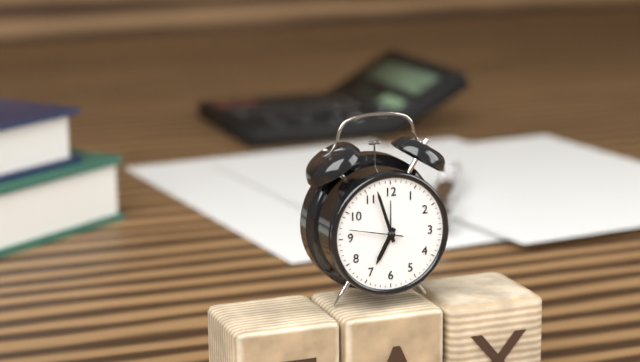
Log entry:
h=6 m=57 s=47
